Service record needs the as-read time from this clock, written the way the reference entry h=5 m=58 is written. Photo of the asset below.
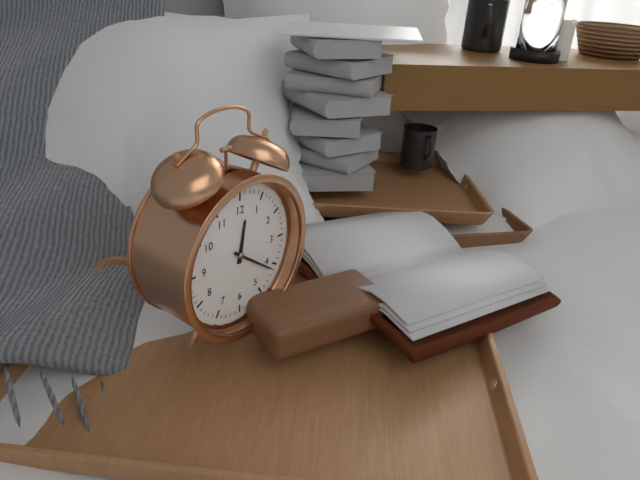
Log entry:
h=12 m=21
